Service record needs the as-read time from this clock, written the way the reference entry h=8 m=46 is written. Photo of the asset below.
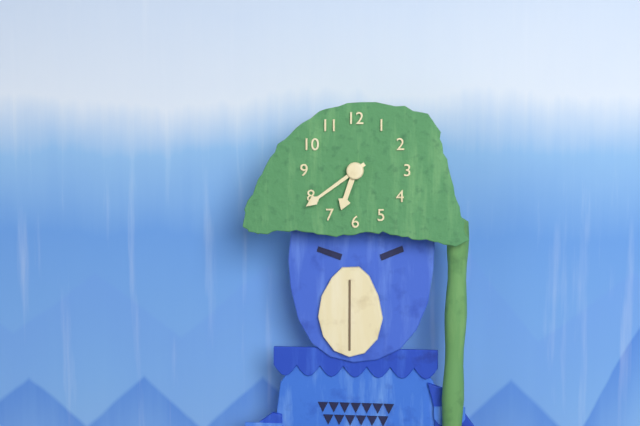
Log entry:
h=6 m=39
